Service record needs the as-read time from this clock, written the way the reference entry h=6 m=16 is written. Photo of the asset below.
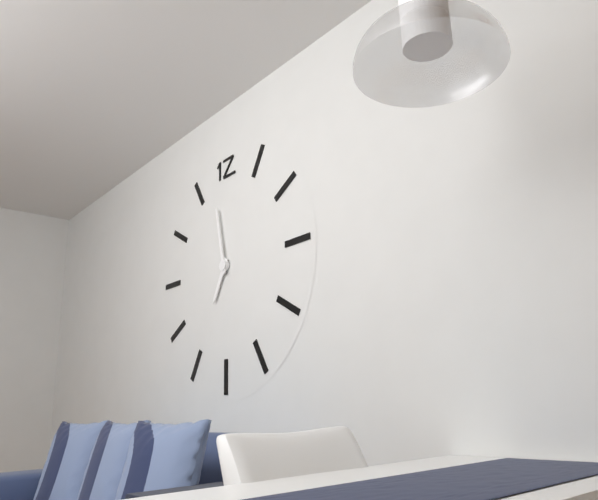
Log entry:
h=6 m=58
